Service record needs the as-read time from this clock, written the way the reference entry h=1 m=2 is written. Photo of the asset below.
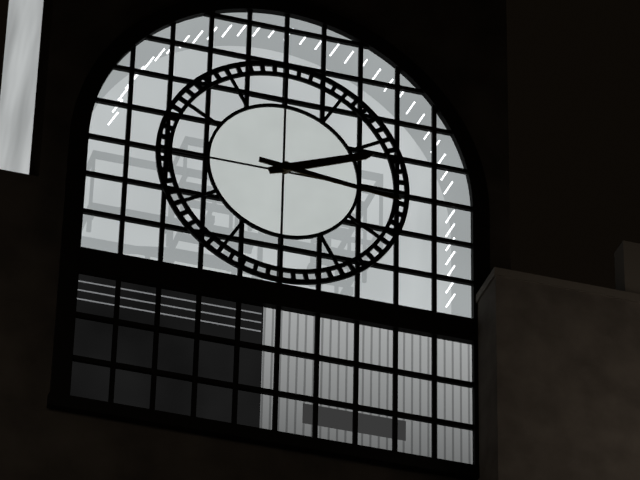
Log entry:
h=2 m=16
